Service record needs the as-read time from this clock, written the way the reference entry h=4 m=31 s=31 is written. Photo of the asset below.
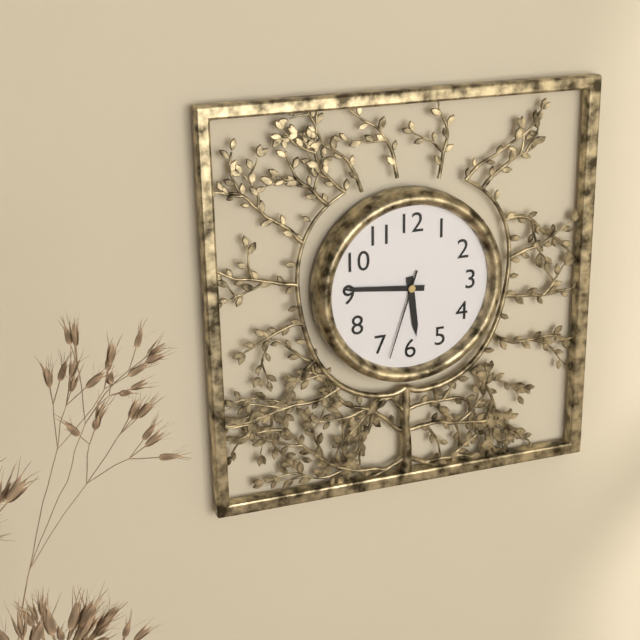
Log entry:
h=5 m=46 s=33
